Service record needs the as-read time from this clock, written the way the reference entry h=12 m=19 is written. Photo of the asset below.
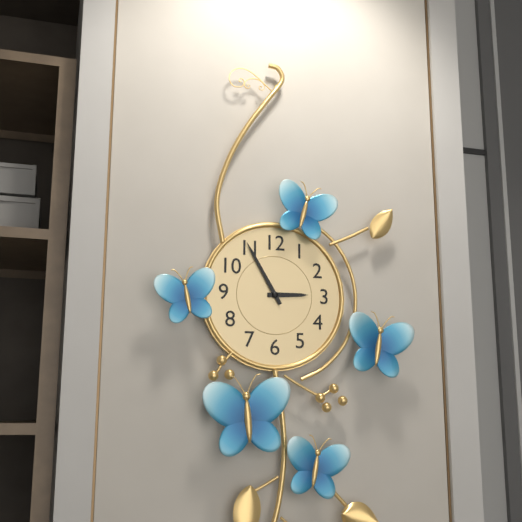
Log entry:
h=2 m=55
